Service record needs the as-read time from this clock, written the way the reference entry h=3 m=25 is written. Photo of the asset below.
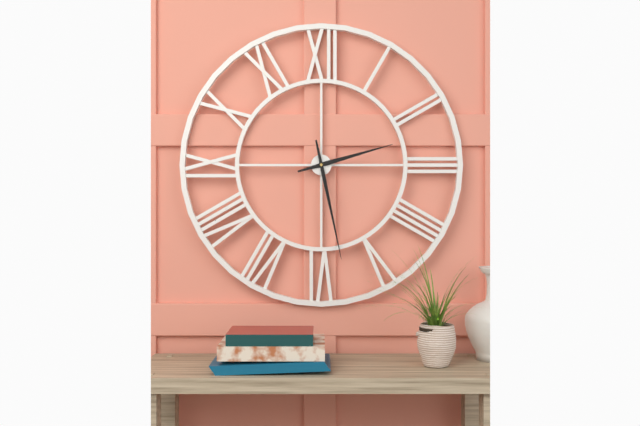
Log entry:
h=2 m=28
